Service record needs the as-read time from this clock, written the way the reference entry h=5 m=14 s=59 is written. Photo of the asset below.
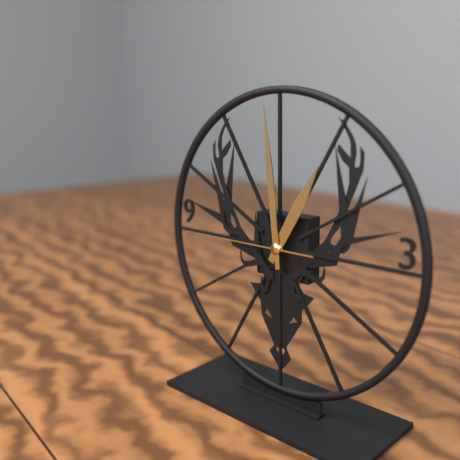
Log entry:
h=12 m=59 s=45
